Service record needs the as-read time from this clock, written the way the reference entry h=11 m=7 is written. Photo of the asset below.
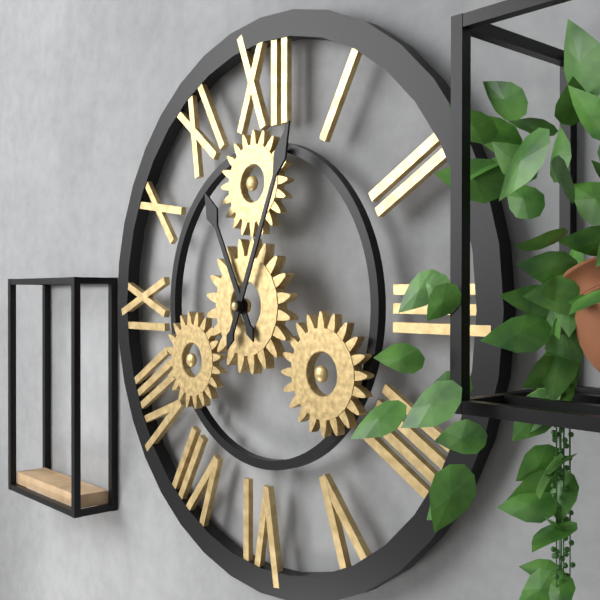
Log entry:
h=11 m=4
